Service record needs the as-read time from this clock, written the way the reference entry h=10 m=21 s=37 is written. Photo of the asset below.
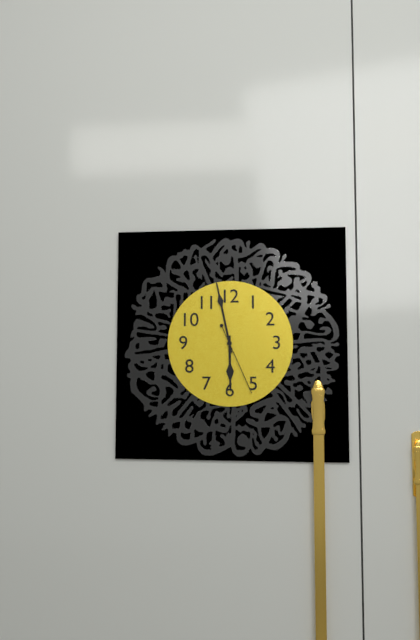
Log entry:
h=5 m=58 s=26
